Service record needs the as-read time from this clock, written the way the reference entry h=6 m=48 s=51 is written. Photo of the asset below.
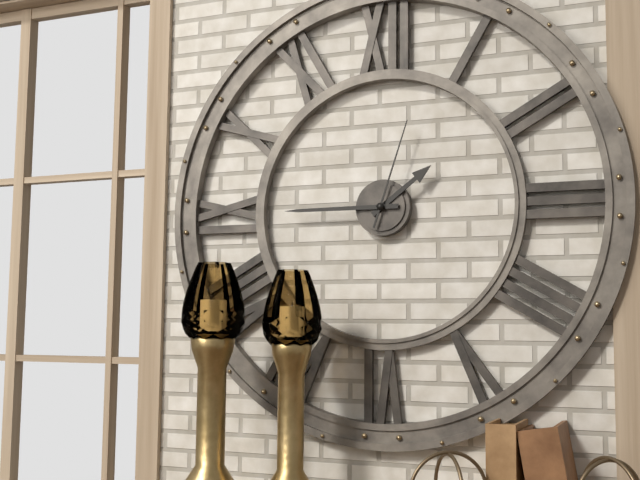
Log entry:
h=1 m=45 s=3
